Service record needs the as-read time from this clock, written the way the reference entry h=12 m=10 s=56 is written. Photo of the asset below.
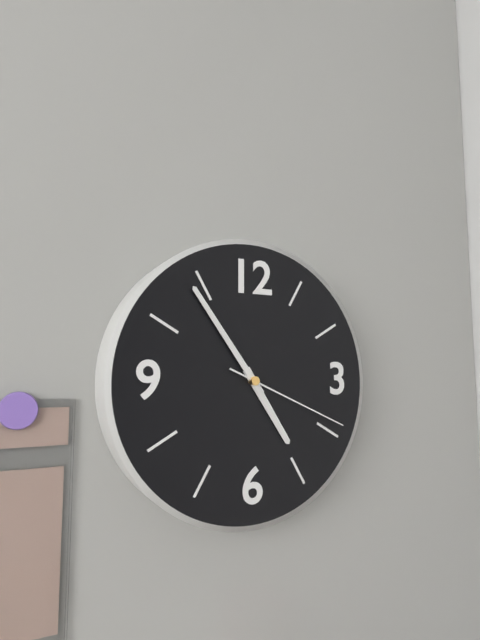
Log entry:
h=4 m=54 s=19
